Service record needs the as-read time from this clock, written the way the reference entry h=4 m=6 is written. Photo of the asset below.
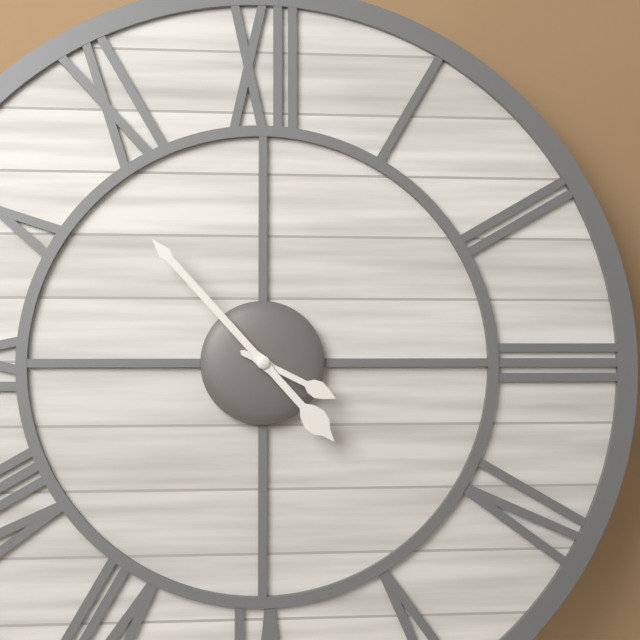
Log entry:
h=3 m=53
